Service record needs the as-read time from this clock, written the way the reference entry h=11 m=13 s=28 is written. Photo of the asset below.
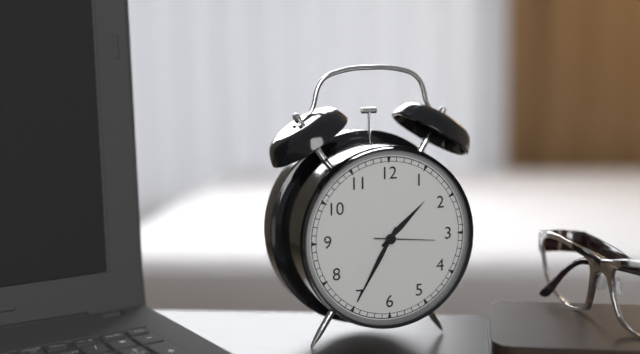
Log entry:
h=1 m=35 s=16
